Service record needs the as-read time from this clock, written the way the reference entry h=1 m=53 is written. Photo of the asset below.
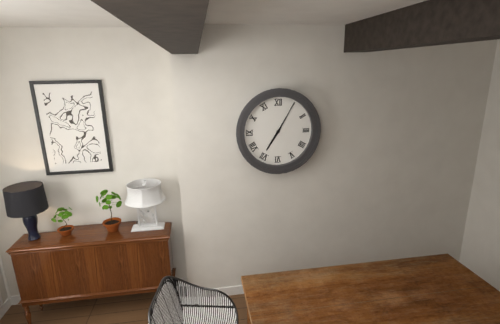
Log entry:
h=7 m=5
